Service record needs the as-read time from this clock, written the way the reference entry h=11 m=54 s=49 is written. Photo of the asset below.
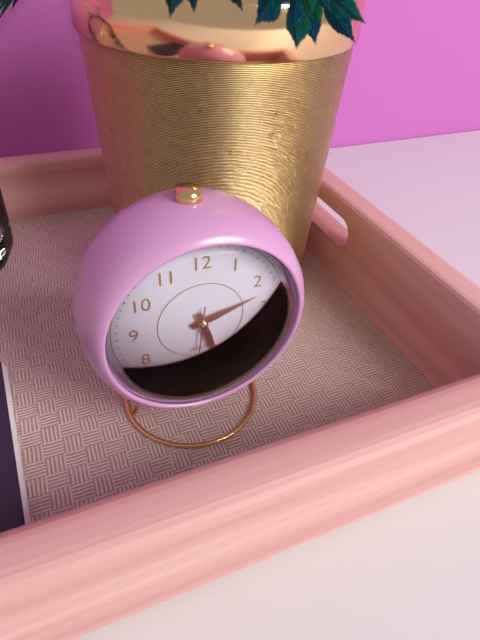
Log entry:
h=2 m=27 s=31
